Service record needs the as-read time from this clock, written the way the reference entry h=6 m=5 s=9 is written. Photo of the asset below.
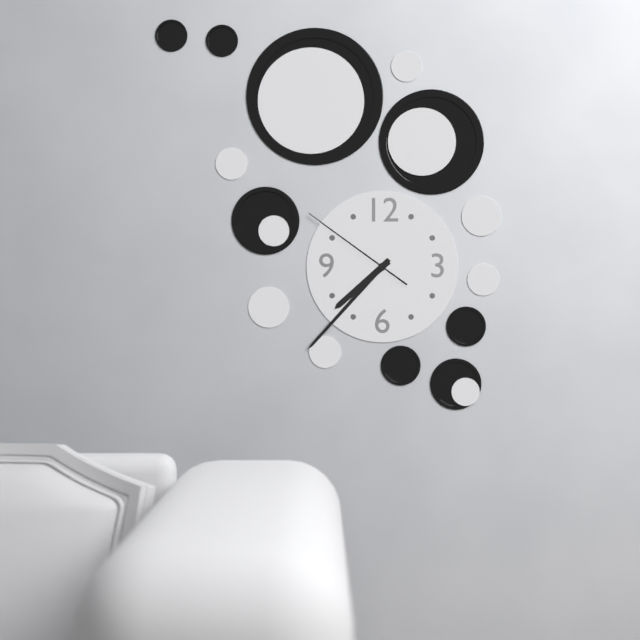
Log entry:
h=7 m=37 s=51
